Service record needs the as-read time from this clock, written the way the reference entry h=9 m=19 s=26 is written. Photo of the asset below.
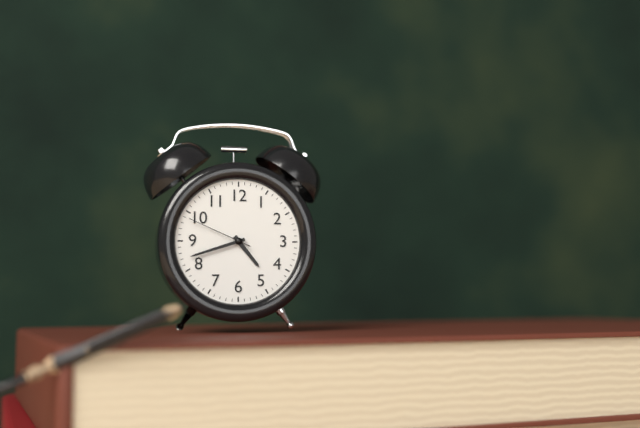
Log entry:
h=4 m=42 s=49
